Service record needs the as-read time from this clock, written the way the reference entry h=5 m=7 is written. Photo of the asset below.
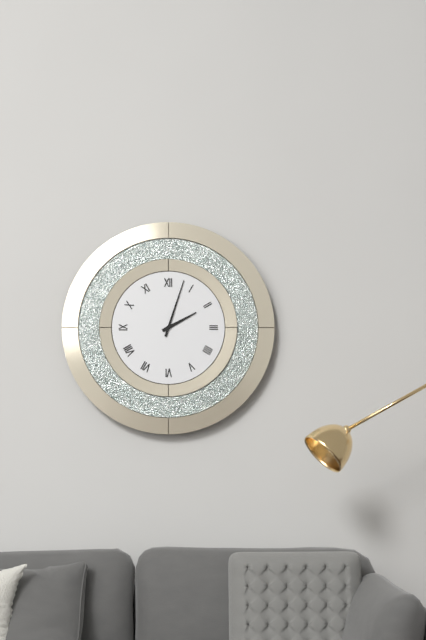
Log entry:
h=2 m=3
